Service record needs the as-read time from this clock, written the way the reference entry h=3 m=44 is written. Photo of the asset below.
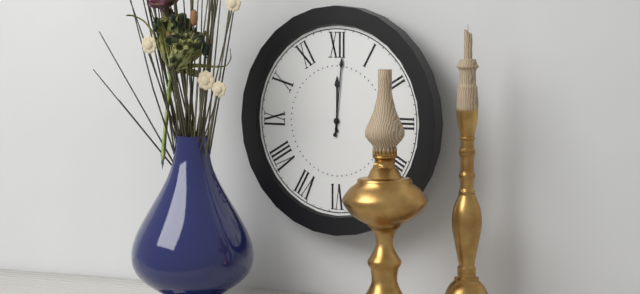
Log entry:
h=12 m=1
